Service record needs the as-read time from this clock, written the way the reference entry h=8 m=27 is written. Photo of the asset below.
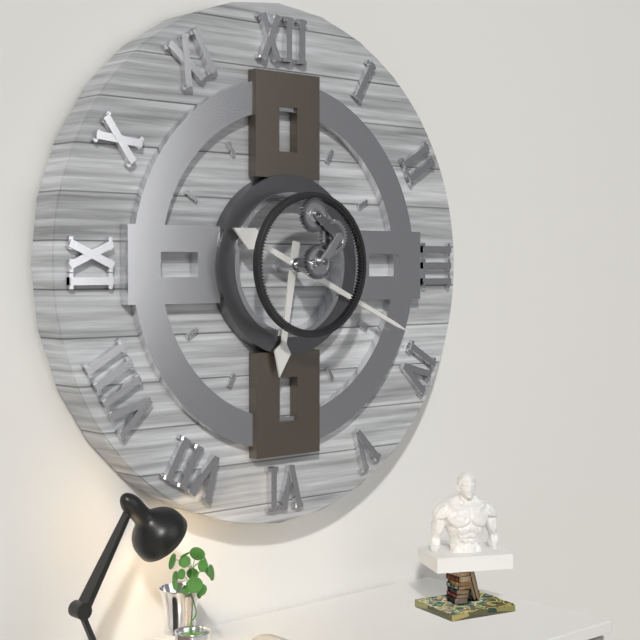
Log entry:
h=6 m=19
